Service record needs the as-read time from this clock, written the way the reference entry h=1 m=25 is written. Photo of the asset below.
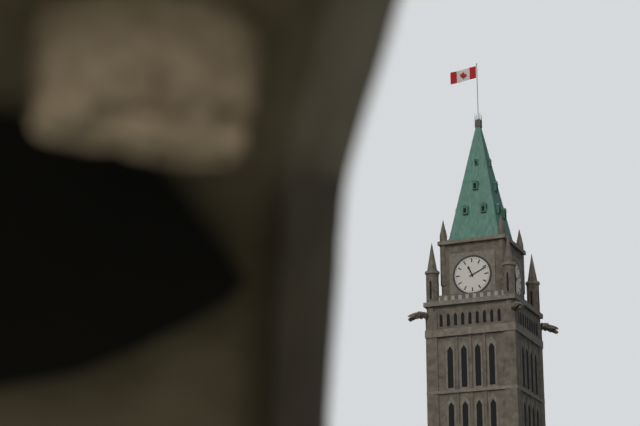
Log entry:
h=11 m=11
